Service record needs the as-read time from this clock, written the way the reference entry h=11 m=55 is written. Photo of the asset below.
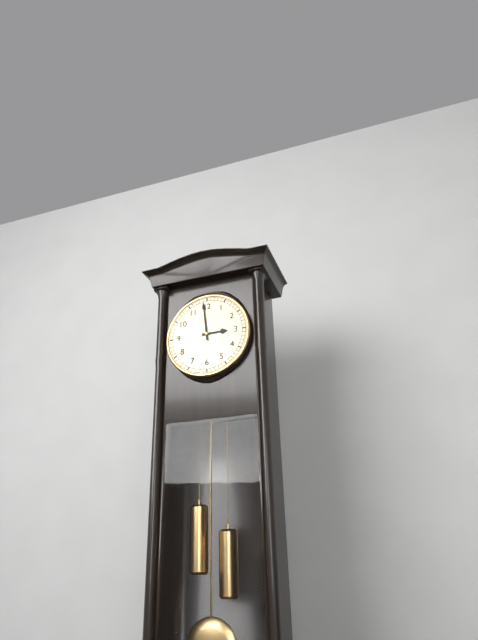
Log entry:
h=2 m=59
